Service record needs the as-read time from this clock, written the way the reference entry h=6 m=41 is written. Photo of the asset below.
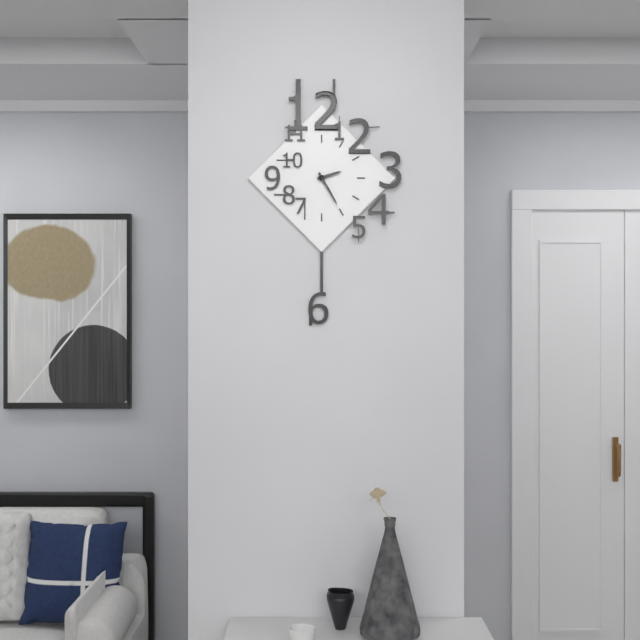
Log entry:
h=2 m=25
